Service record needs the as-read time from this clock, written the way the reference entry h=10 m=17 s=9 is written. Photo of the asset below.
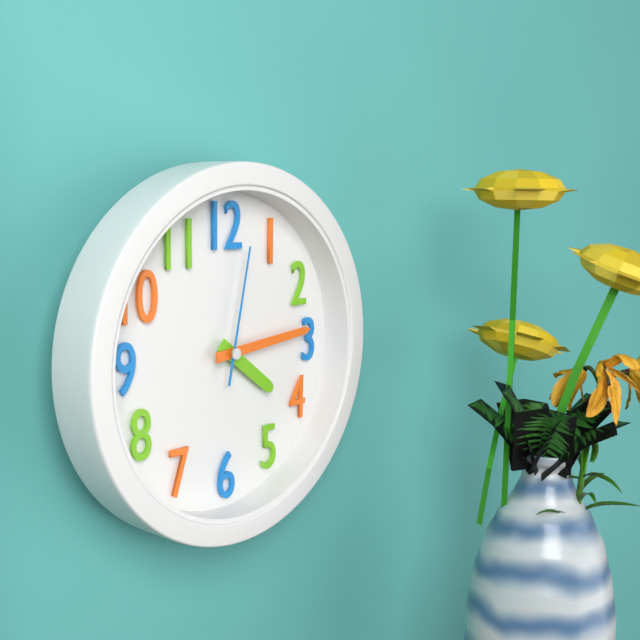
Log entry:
h=4 m=14 s=2
